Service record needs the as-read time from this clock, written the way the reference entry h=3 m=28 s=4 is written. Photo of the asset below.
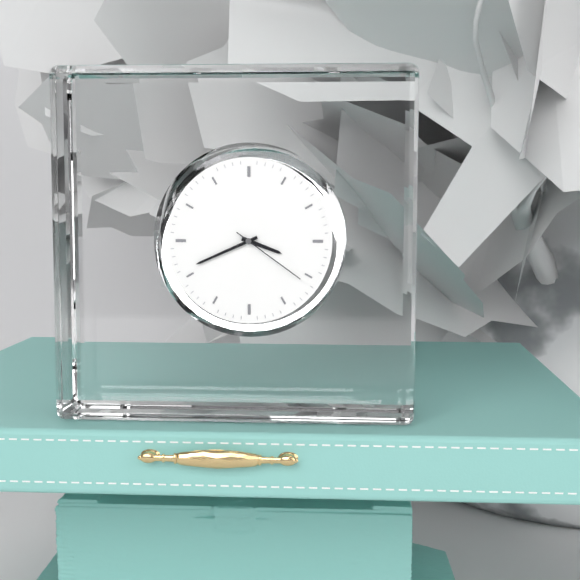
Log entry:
h=3 m=41 s=21
